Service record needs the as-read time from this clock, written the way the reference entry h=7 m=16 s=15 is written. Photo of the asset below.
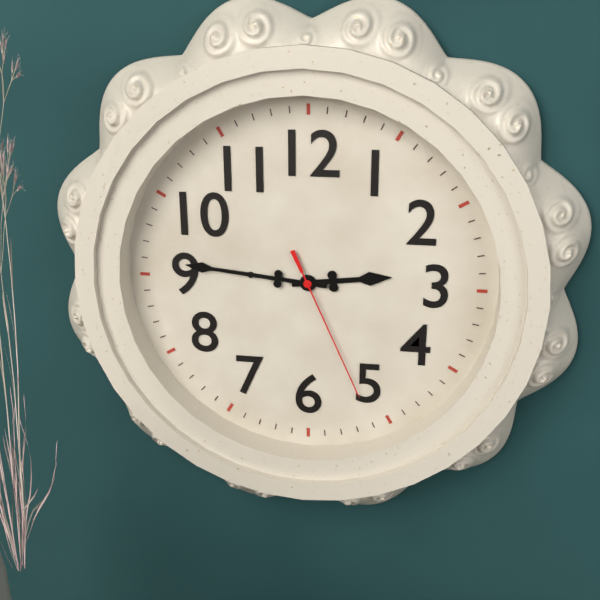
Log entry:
h=2 m=46 s=26
